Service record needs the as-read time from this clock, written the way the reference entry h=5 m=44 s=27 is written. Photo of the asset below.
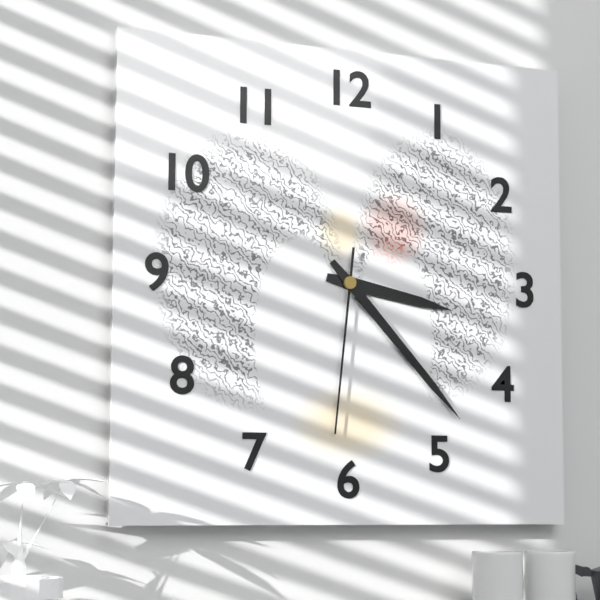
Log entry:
h=3 m=23 s=31
